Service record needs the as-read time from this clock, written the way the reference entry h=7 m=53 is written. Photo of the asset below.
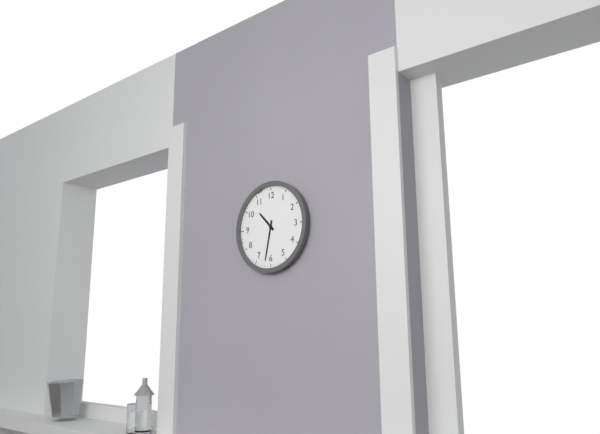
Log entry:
h=10 m=32
